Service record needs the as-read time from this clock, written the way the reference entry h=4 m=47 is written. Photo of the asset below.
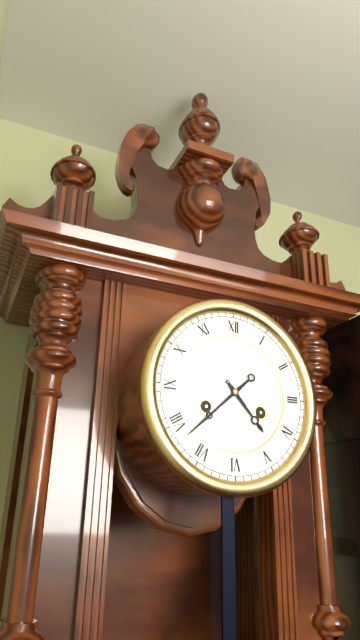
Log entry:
h=4 m=38
